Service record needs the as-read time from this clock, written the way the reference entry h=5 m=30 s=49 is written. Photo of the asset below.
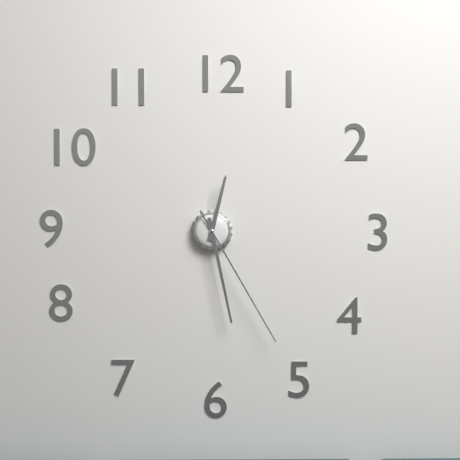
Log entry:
h=12 m=28 s=25
